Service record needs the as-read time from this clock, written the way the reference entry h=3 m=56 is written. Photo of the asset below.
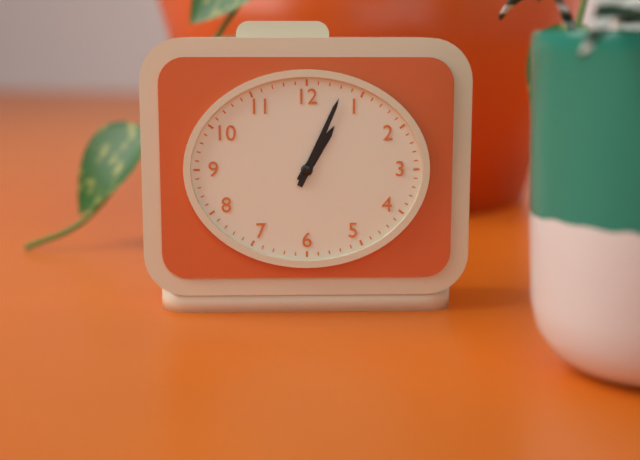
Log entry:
h=1 m=4
